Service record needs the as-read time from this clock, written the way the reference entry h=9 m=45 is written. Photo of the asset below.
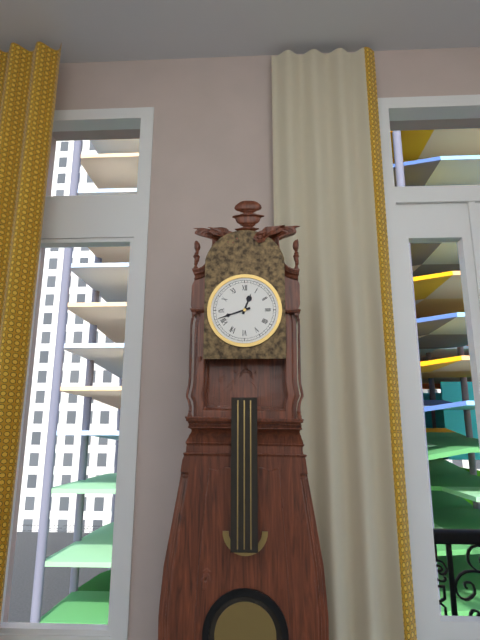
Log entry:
h=12 m=42
